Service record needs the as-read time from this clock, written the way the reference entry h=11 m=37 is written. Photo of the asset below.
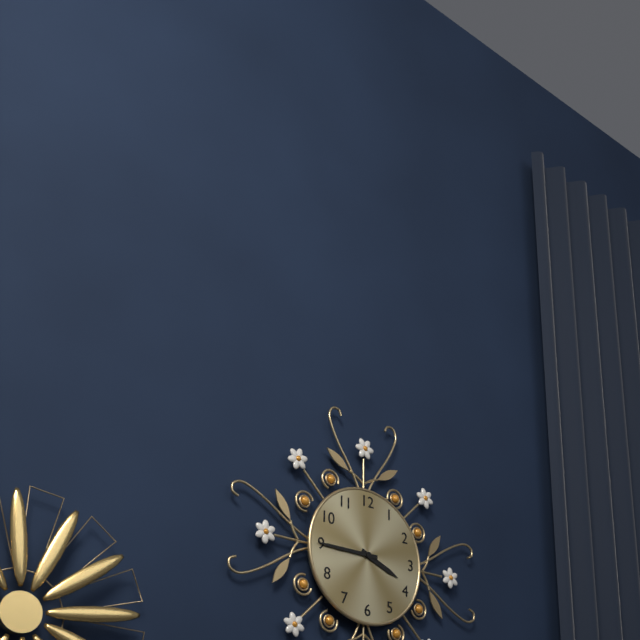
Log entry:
h=3 m=45
